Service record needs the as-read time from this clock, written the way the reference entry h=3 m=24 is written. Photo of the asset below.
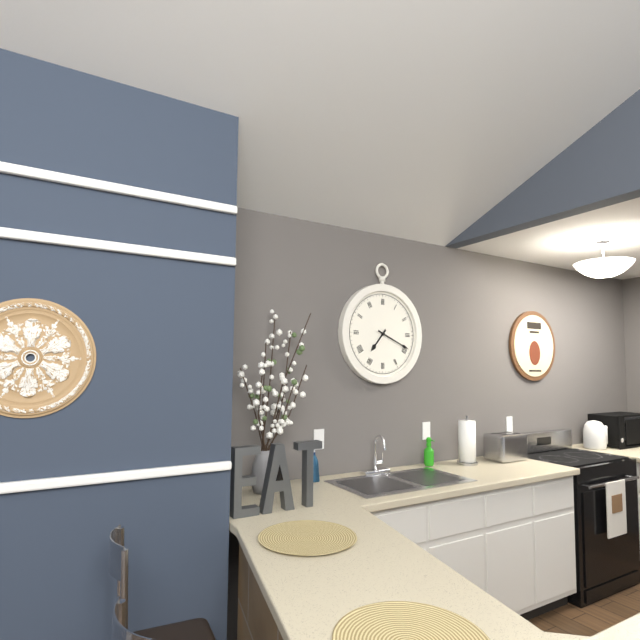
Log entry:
h=7 m=19
